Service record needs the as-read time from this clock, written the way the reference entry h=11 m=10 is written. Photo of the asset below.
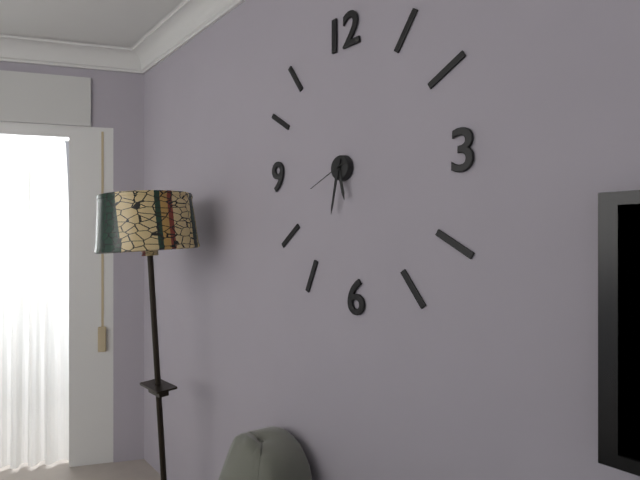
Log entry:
h=5 m=32
